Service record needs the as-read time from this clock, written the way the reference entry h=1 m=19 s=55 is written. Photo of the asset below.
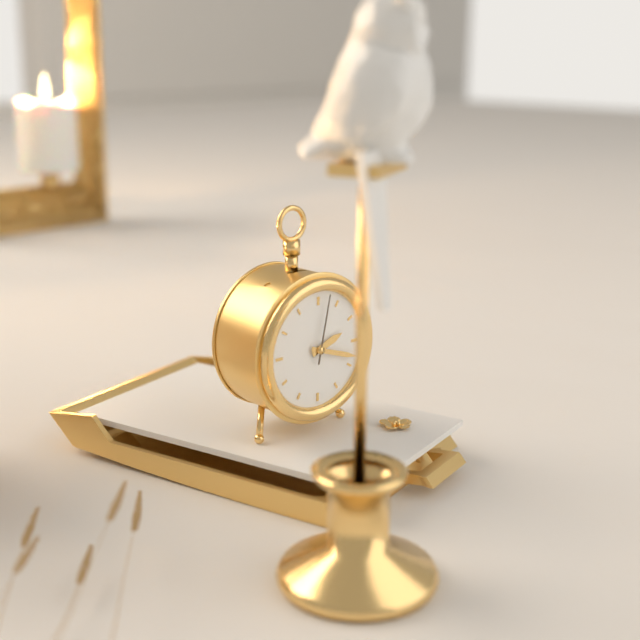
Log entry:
h=2 m=18 s=2
